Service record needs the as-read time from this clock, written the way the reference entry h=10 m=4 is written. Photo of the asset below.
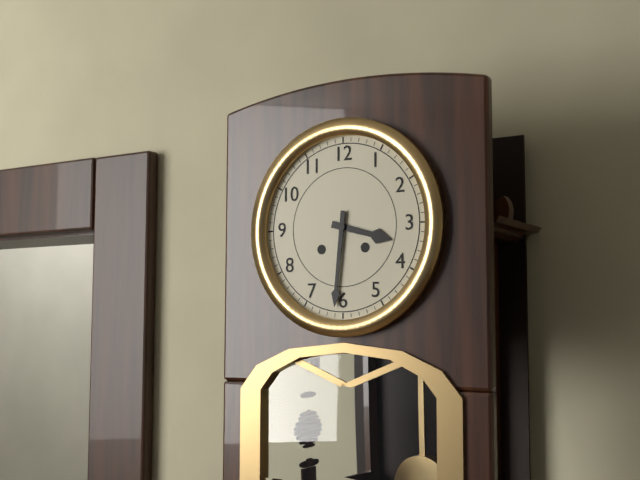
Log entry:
h=3 m=31
